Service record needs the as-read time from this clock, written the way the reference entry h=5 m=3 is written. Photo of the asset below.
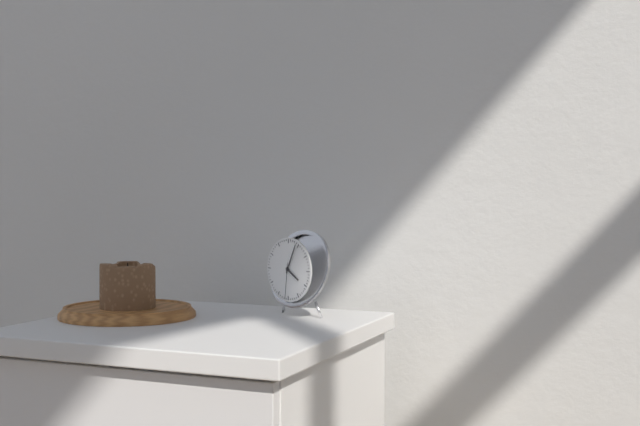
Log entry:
h=4 m=4
